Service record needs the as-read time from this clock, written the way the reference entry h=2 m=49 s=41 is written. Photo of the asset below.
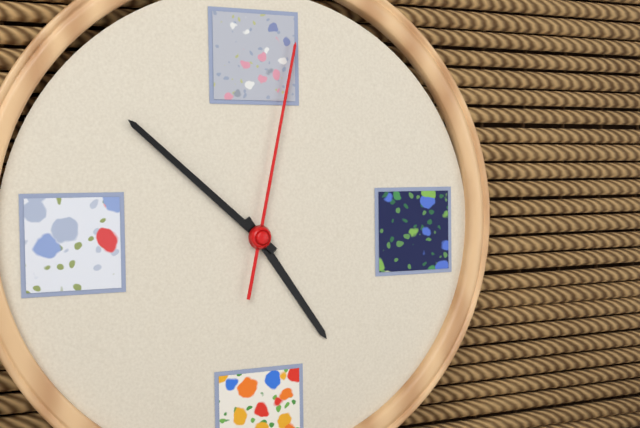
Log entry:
h=4 m=52 s=2
